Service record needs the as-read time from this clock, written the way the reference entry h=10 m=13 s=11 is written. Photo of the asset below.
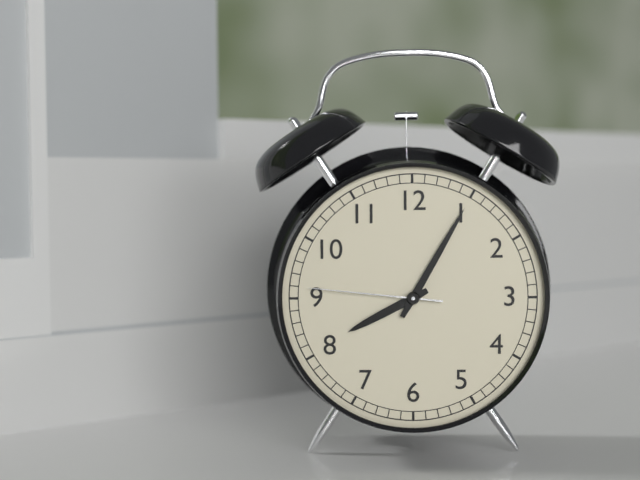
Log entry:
h=8 m=5 s=46
